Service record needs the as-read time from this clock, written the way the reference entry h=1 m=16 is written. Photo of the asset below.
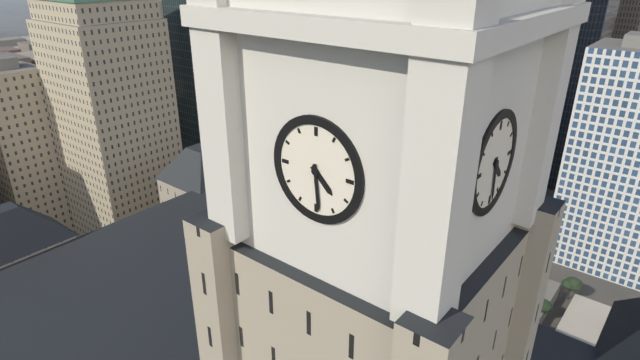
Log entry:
h=4 m=29
